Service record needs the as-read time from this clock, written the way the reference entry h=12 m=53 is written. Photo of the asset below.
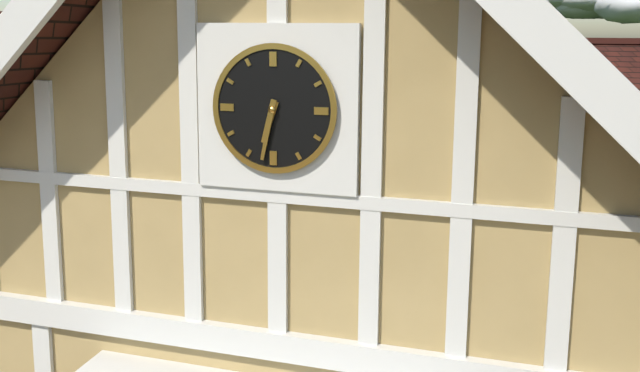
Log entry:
h=6 m=32
